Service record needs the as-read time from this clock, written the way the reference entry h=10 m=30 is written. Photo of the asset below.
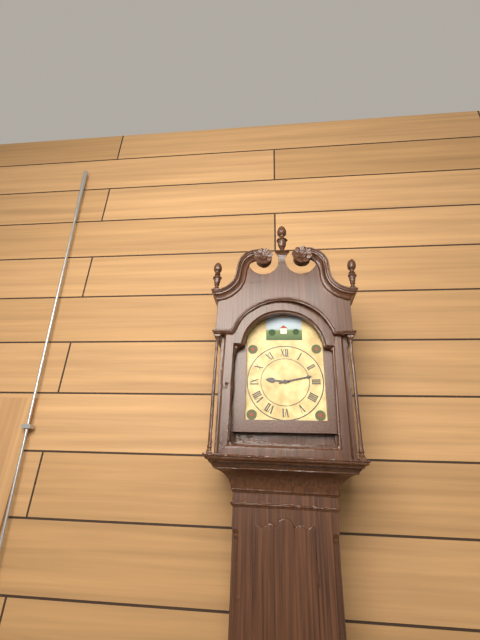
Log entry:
h=9 m=13
